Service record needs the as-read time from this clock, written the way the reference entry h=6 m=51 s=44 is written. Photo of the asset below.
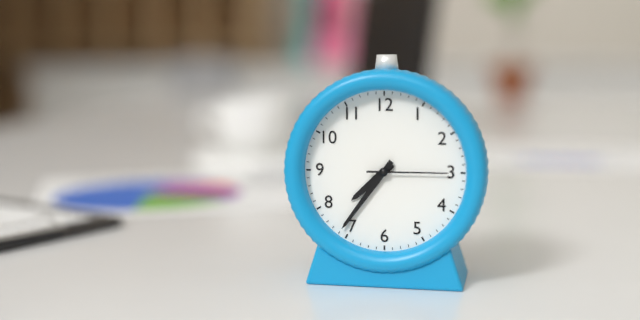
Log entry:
h=7 m=36 s=15
